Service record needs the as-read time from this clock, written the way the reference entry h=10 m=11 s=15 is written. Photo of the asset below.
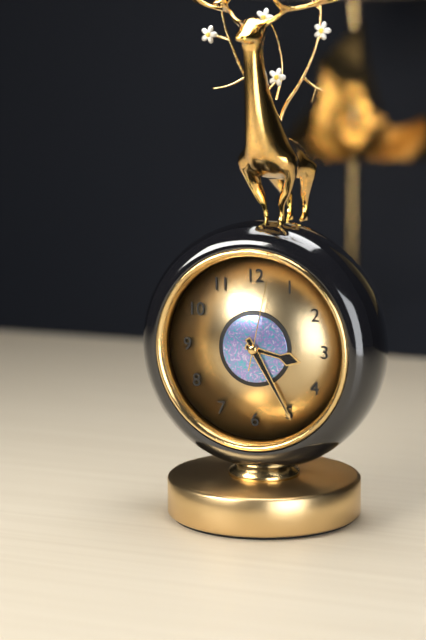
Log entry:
h=3 m=25 s=2
